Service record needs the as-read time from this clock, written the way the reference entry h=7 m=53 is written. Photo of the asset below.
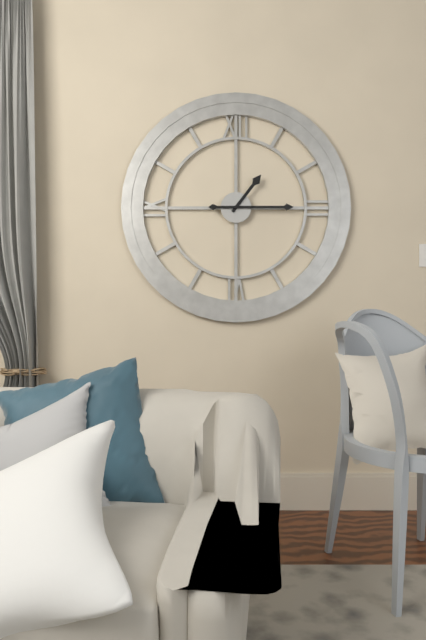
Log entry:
h=1 m=15
